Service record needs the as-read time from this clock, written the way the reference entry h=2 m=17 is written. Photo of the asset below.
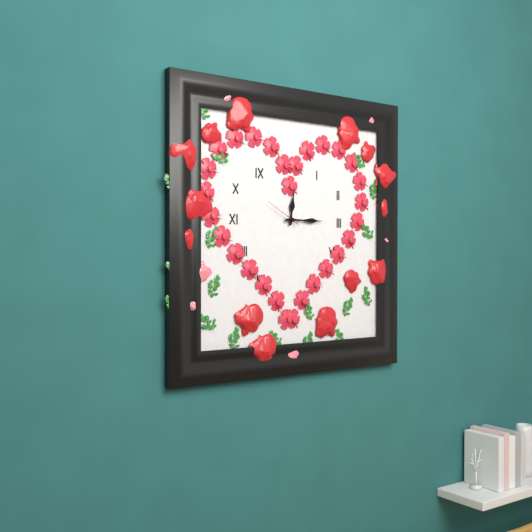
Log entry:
h=12 m=15
